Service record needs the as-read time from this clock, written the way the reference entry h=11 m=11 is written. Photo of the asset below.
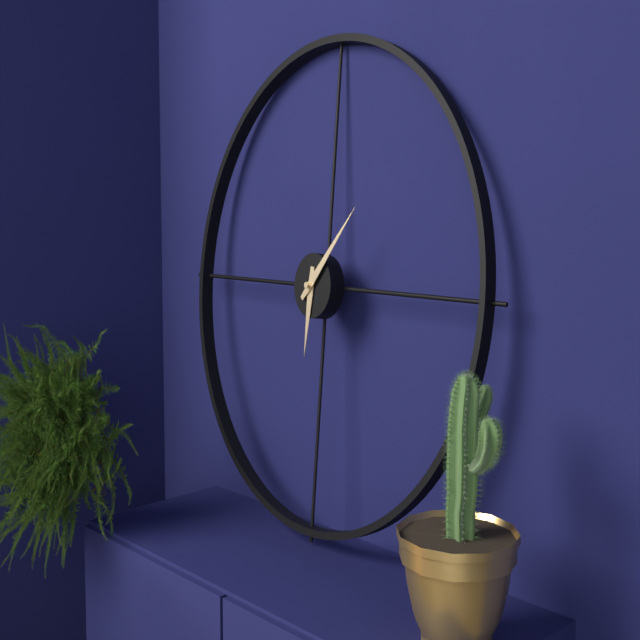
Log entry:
h=6 m=7
